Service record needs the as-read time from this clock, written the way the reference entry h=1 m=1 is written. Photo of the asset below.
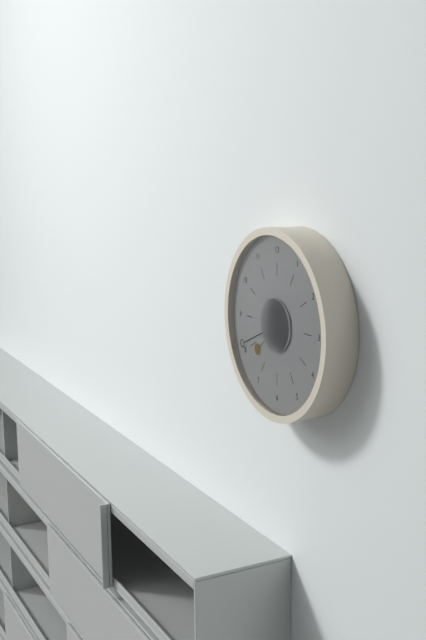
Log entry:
h=7 m=41
